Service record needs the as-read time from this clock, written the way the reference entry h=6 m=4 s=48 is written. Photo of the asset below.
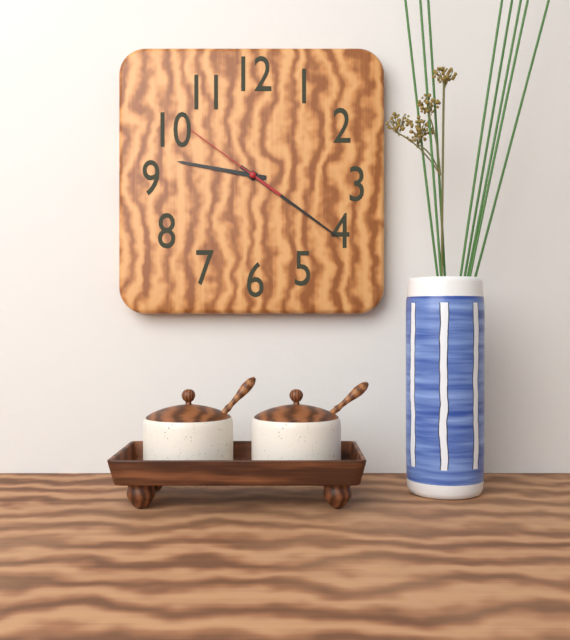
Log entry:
h=9 m=21 s=51
